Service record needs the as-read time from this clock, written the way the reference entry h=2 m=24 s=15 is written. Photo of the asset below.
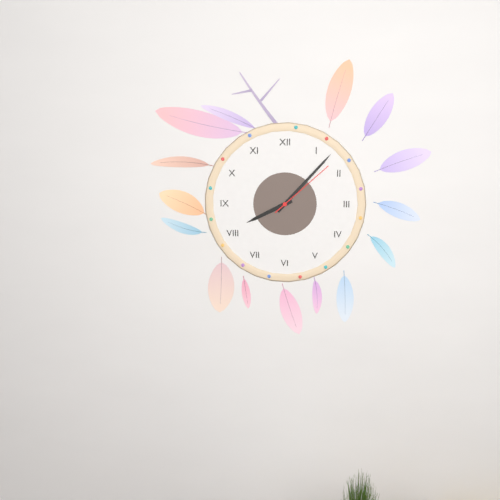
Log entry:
h=8 m=7 s=8
